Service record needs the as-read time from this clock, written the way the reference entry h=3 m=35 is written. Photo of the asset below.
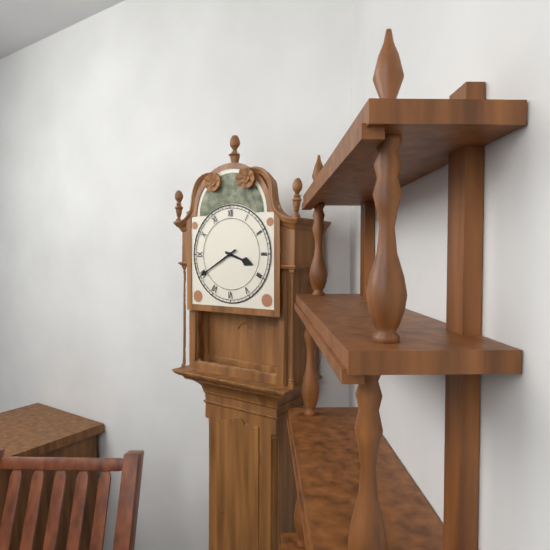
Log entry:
h=3 m=40
